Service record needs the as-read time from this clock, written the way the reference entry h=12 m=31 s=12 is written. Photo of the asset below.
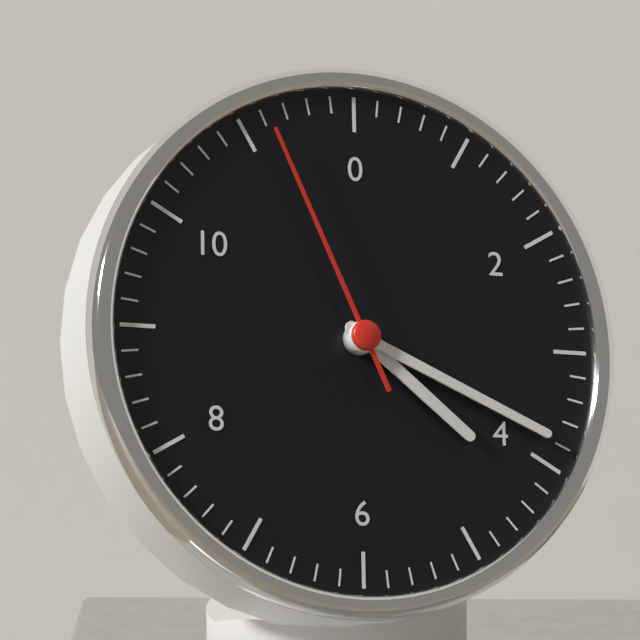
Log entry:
h=4 m=19 s=56
